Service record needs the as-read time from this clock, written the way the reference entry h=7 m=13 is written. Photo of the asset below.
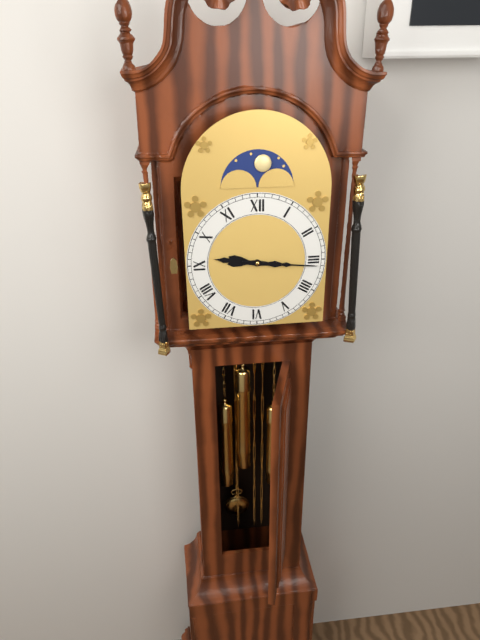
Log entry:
h=9 m=16
